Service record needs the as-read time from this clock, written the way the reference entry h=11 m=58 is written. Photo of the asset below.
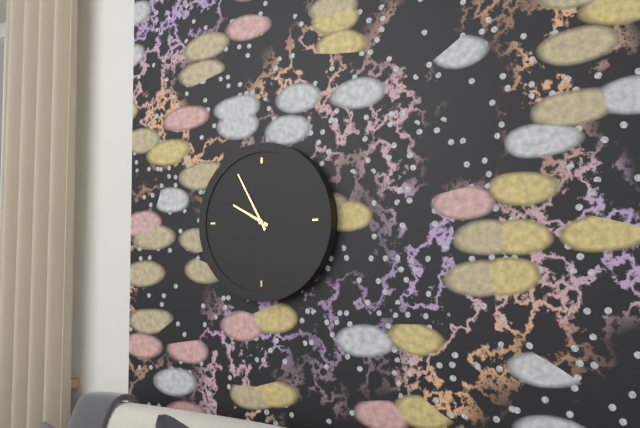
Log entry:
h=9 m=55
